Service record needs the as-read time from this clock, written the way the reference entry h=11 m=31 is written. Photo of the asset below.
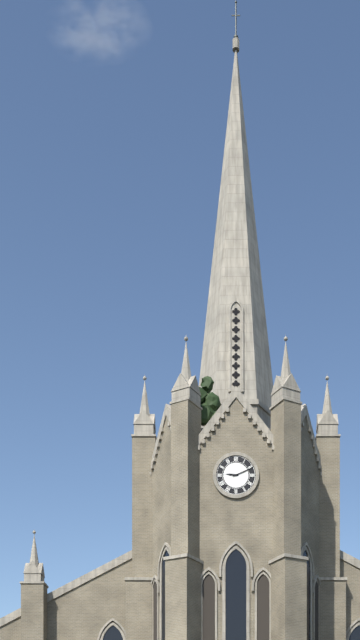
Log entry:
h=9 m=11
